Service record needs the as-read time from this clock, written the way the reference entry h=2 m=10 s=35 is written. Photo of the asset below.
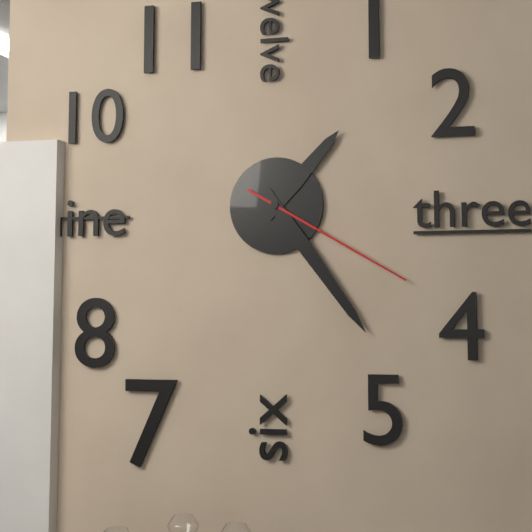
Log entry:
h=1 m=24 s=20
